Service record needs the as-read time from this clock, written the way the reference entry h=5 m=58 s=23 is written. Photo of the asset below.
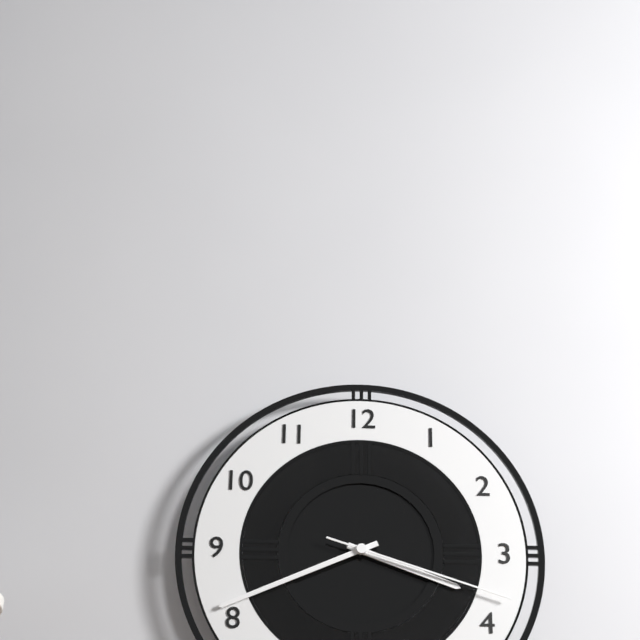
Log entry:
h=3 m=41 s=18
